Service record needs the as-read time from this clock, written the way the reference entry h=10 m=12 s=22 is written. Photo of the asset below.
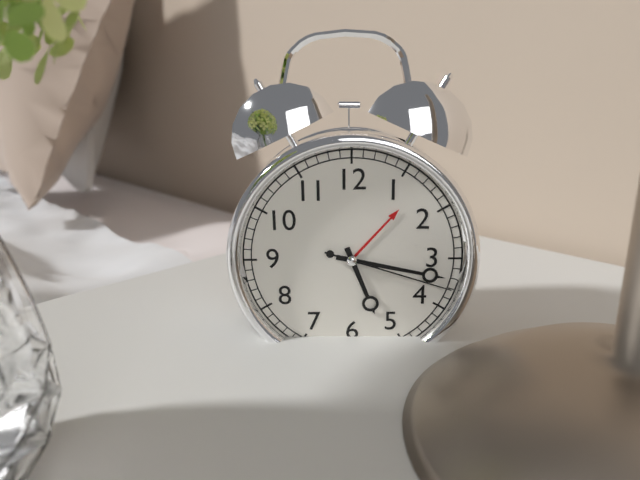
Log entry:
h=5 m=17 s=18
